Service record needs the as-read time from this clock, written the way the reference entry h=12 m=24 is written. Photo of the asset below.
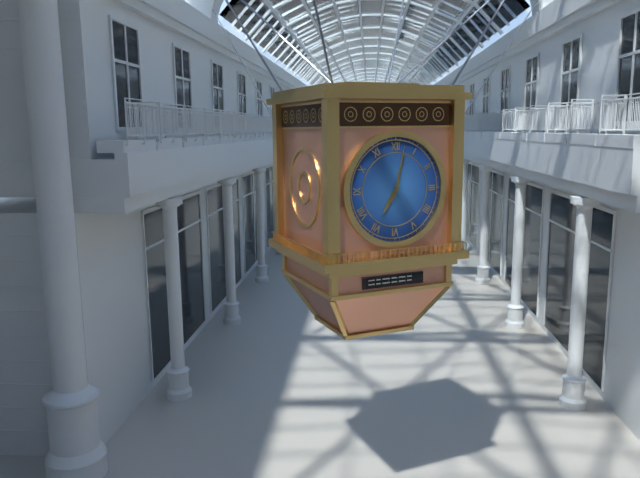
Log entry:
h=7 m=2
